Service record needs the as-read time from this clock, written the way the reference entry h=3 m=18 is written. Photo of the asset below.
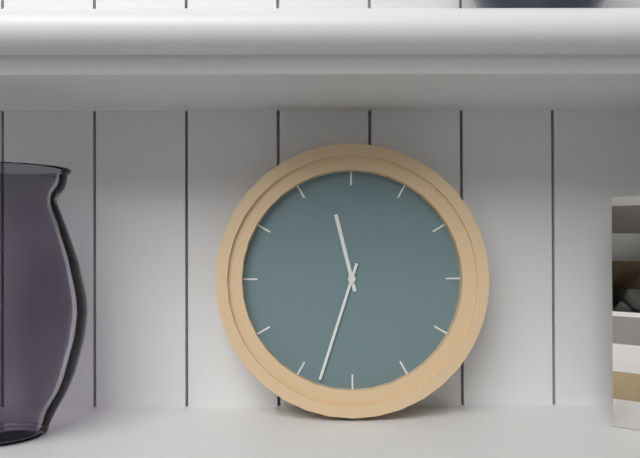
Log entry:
h=11 m=33
